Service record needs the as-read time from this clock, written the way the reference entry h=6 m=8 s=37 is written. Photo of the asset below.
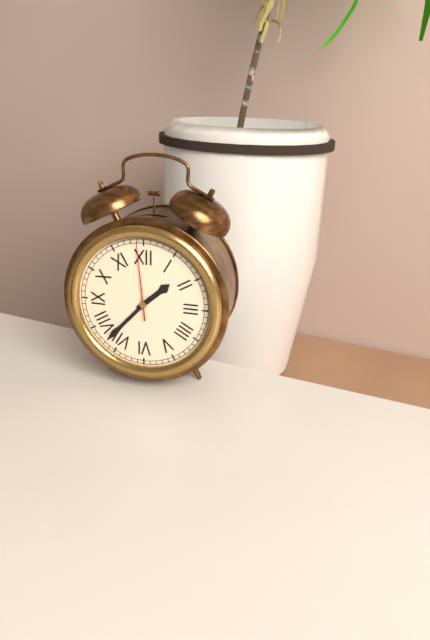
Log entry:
h=1 m=37 s=59
